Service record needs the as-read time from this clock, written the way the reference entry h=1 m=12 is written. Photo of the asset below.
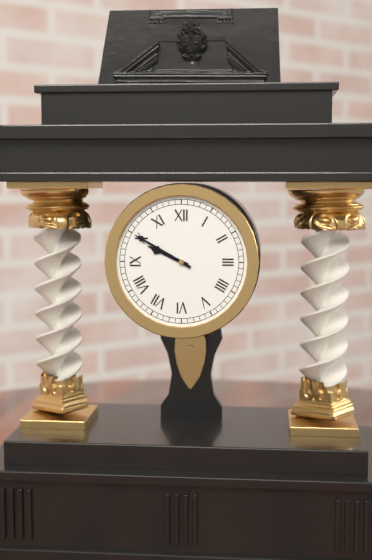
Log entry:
h=9 m=50
